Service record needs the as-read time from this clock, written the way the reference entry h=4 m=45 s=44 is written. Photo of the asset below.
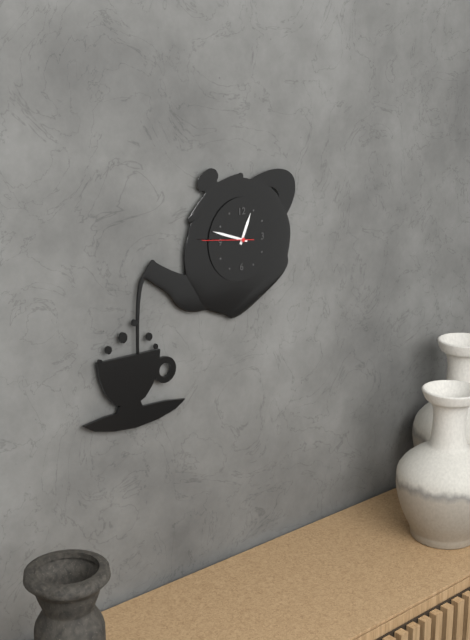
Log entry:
h=12 m=48 s=46
